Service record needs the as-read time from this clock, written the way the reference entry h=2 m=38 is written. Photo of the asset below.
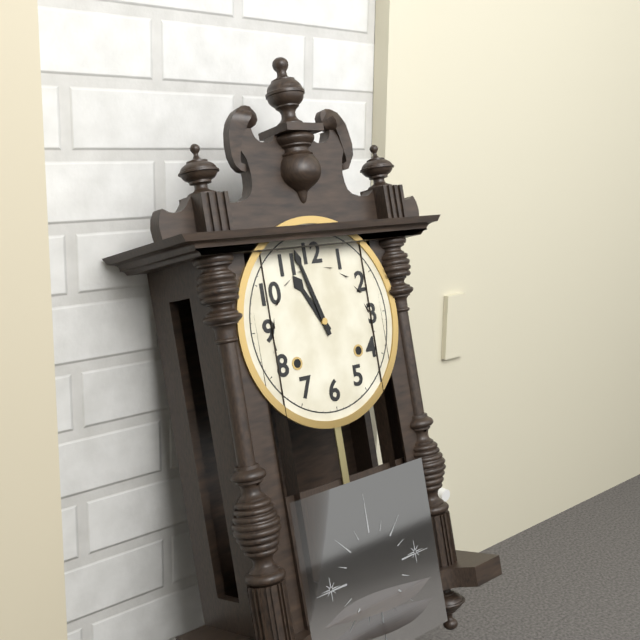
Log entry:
h=10 m=57
